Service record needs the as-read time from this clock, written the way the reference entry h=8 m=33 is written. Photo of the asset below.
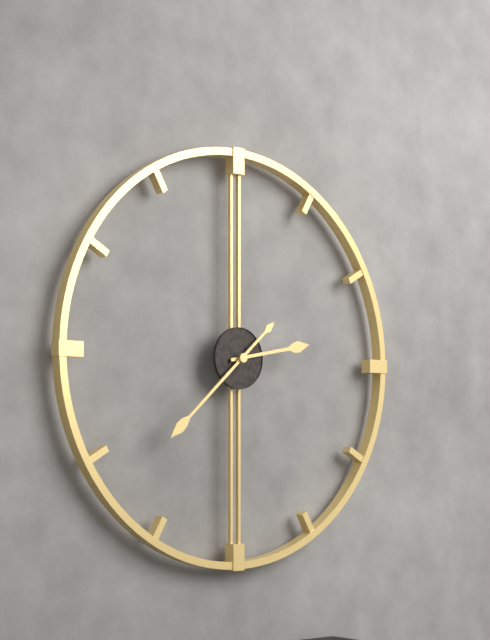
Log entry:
h=2 m=38
